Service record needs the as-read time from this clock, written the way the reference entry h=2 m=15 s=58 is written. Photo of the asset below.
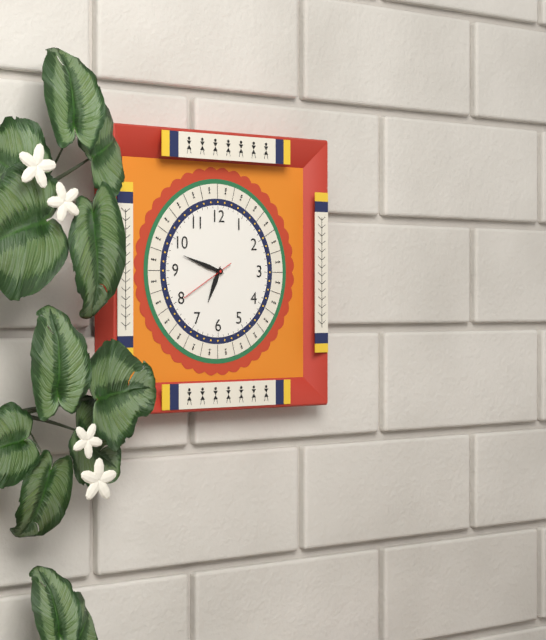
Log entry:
h=6 m=48 s=40
